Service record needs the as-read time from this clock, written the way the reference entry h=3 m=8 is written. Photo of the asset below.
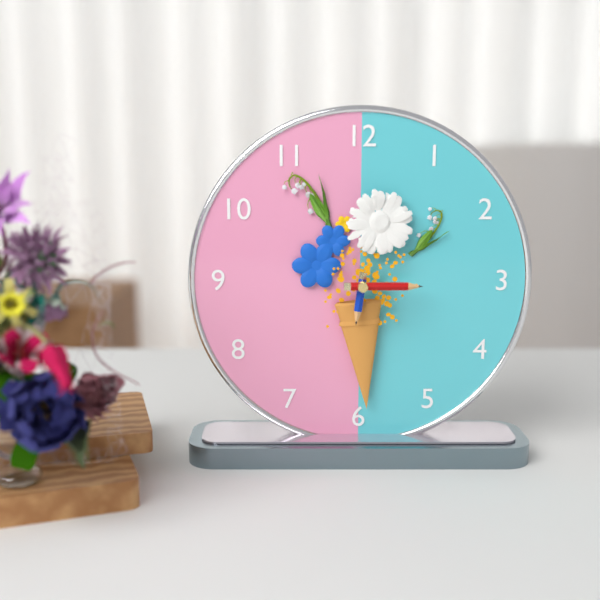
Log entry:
h=6 m=15
